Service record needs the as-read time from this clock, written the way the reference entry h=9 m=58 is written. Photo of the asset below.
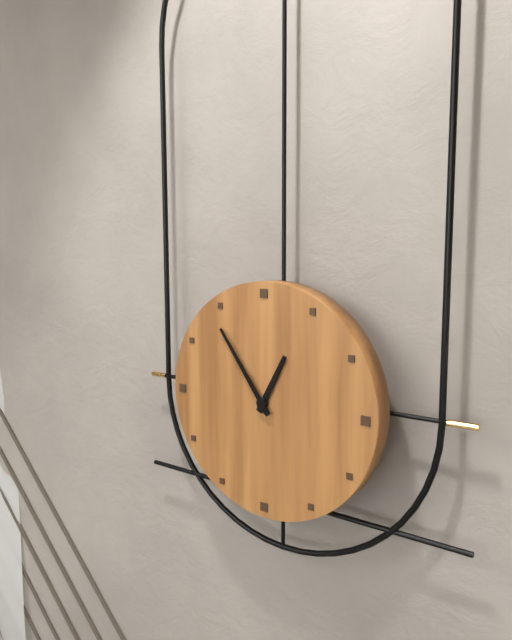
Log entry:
h=12 m=54
